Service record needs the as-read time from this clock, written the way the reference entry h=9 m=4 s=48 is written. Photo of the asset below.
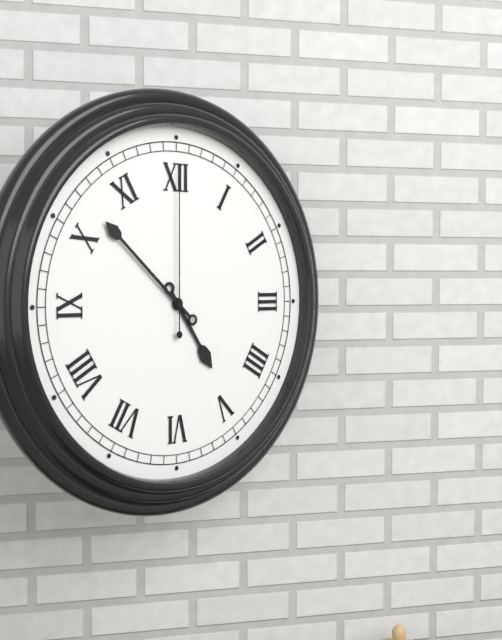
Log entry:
h=4 m=52 s=0
